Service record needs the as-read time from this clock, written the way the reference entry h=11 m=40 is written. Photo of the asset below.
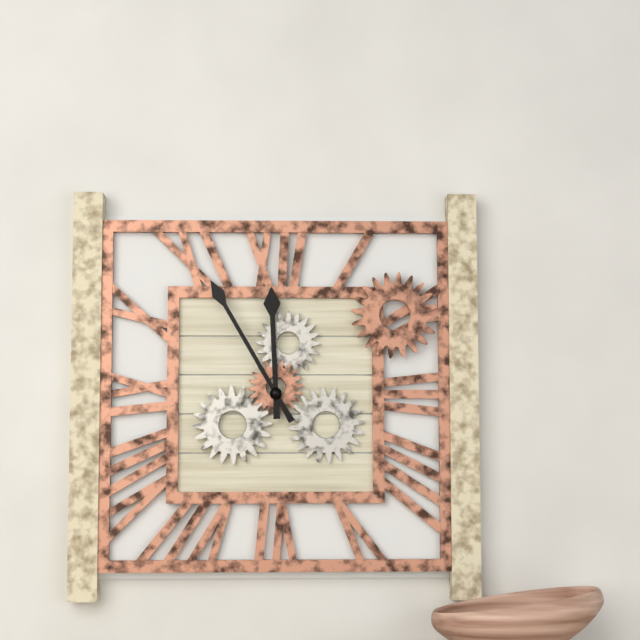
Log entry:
h=11 m=55
